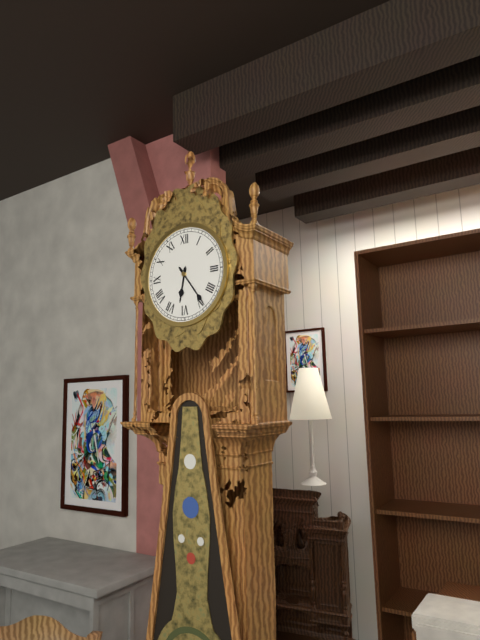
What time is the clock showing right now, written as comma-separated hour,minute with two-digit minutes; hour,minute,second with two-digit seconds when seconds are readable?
6,24
